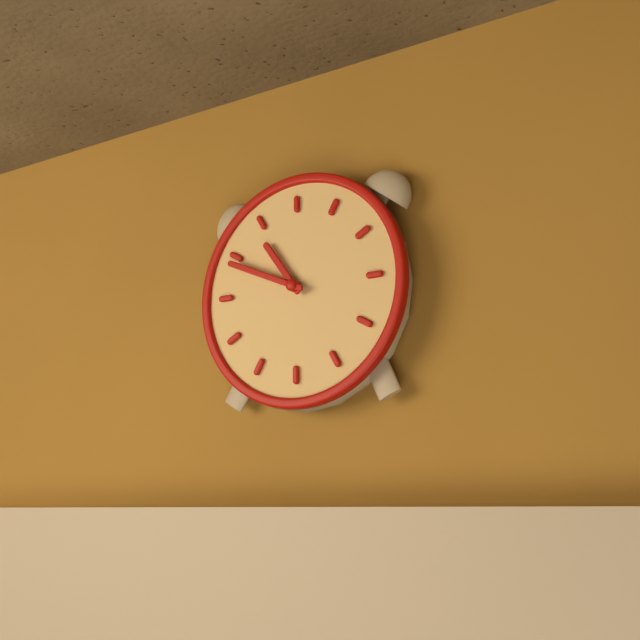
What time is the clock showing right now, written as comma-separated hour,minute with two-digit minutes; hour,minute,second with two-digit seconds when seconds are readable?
10,49
